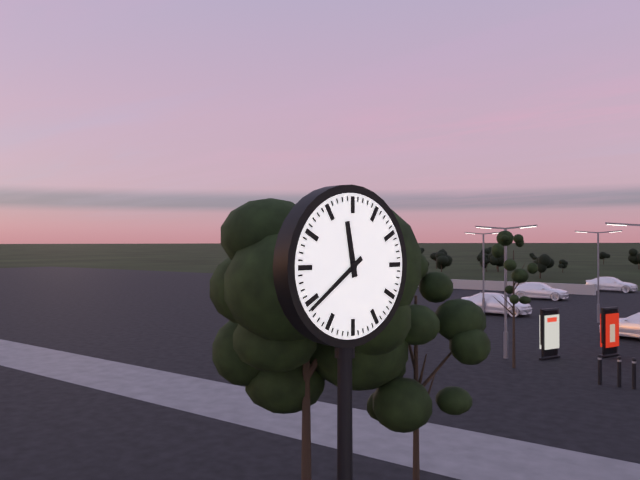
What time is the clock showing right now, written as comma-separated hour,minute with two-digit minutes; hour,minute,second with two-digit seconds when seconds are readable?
11,39
